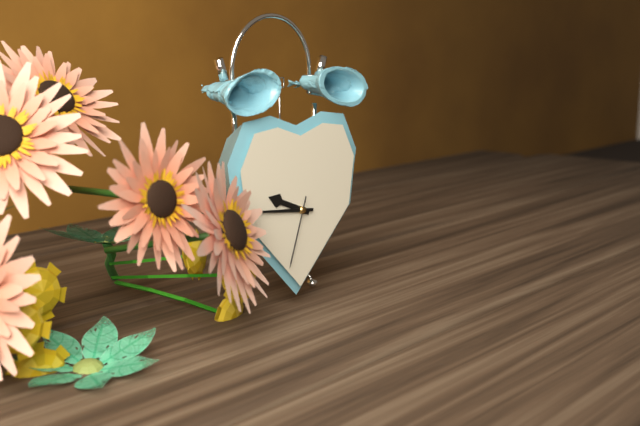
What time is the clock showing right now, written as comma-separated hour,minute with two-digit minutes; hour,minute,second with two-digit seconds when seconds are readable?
9,46,33
